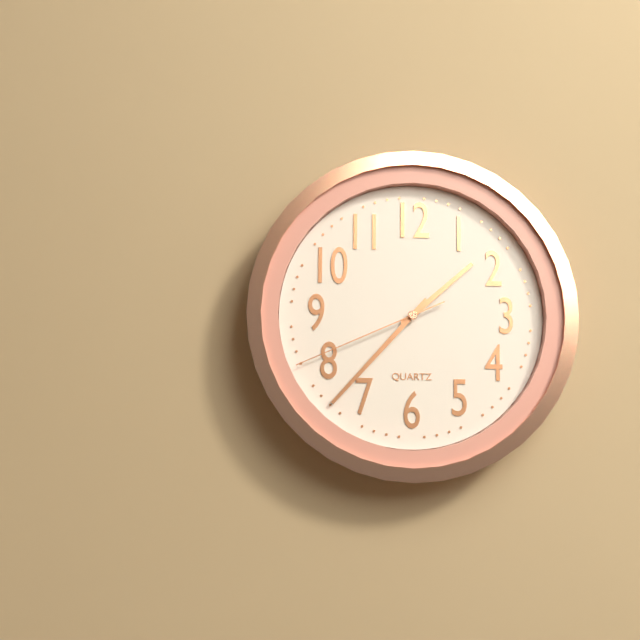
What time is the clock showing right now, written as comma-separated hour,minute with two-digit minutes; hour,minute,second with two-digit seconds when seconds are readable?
1,37,41
